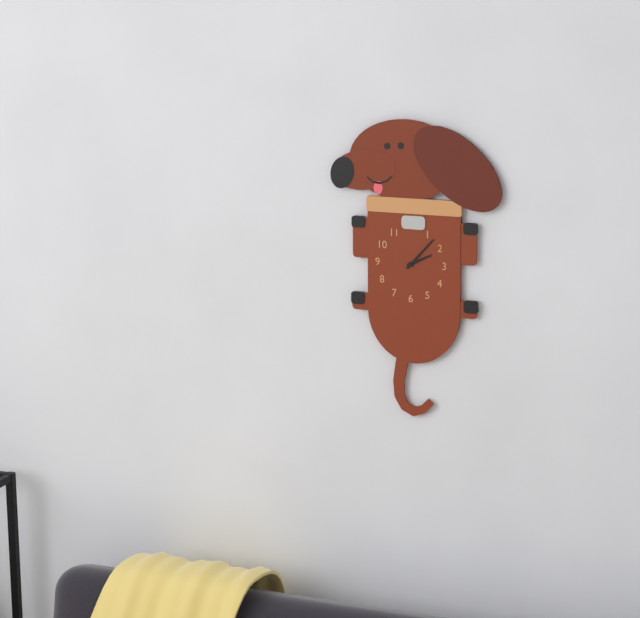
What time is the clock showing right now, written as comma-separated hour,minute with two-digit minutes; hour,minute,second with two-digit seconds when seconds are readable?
2,07
